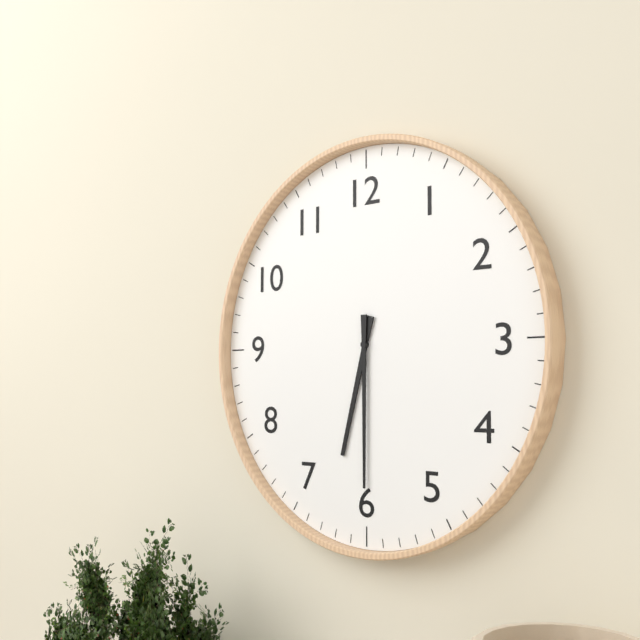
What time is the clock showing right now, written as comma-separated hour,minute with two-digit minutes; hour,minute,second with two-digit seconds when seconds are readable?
6,30
